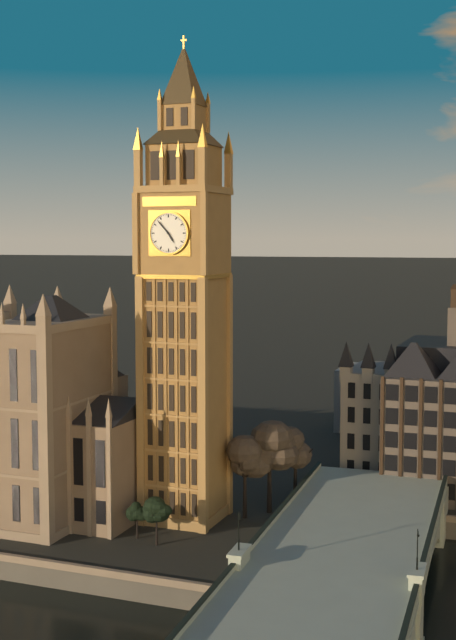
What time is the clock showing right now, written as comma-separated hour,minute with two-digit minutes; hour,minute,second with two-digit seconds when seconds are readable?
4,53
